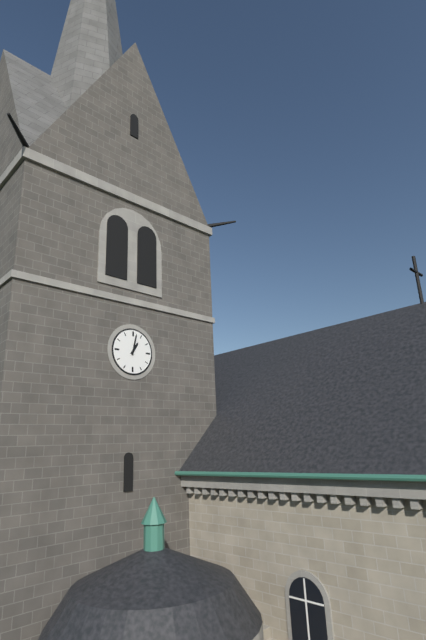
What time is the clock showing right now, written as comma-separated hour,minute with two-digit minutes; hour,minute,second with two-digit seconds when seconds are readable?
1,02
